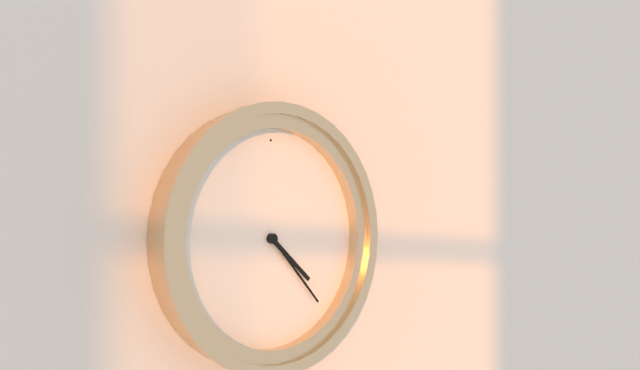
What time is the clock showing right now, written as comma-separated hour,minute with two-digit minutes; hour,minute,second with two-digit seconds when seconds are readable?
4,23
